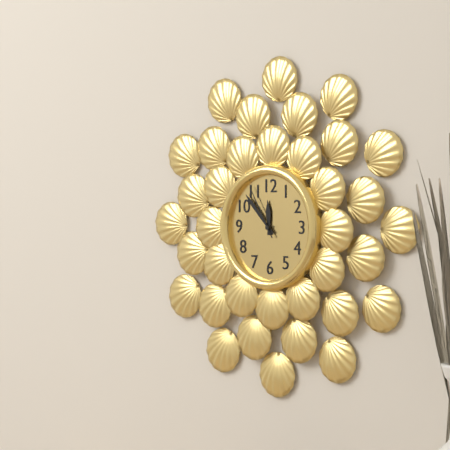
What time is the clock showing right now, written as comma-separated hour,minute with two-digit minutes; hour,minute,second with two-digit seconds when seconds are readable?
11,53,55
